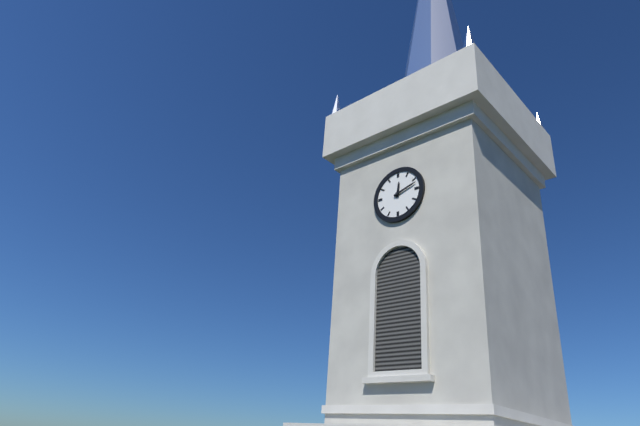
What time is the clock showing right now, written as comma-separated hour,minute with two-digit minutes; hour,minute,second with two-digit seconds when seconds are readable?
12,12
